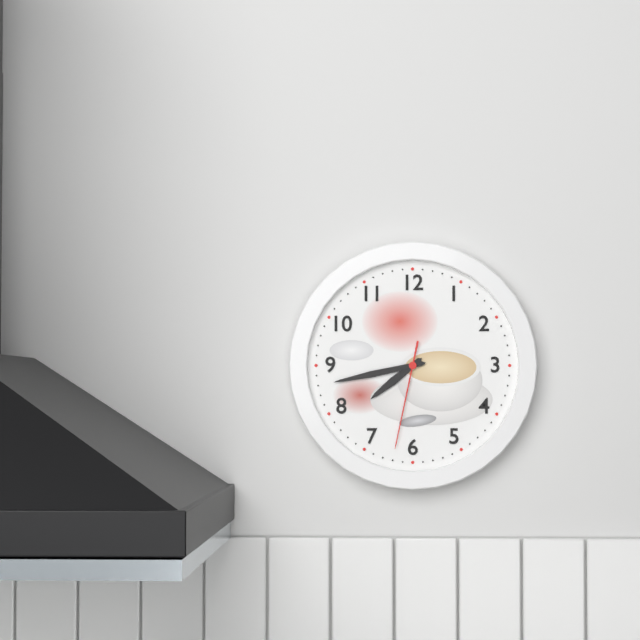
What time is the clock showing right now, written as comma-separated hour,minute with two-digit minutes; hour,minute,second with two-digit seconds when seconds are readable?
7,43,32
